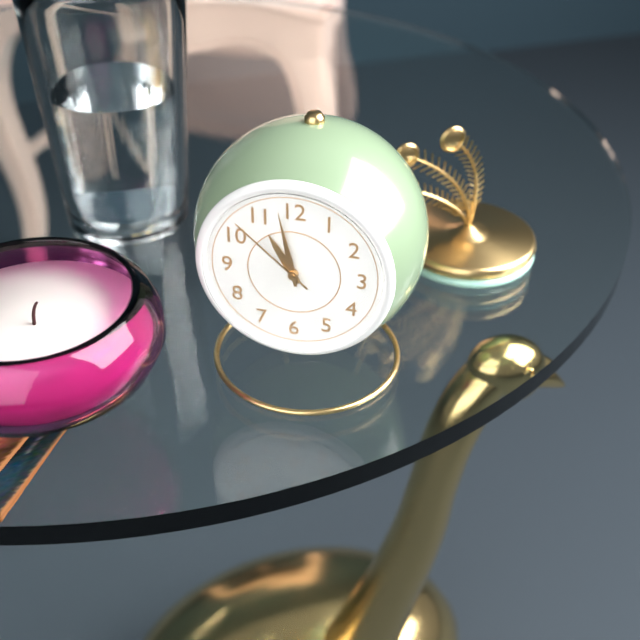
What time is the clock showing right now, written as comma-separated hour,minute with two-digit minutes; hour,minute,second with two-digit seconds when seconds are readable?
10,58,52
